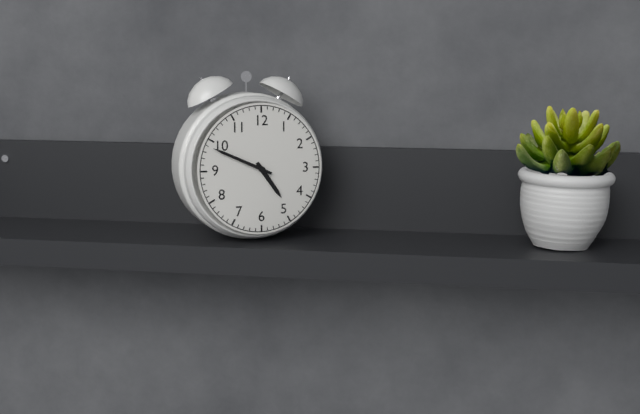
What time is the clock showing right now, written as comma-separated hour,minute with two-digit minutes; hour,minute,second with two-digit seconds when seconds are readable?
4,49
